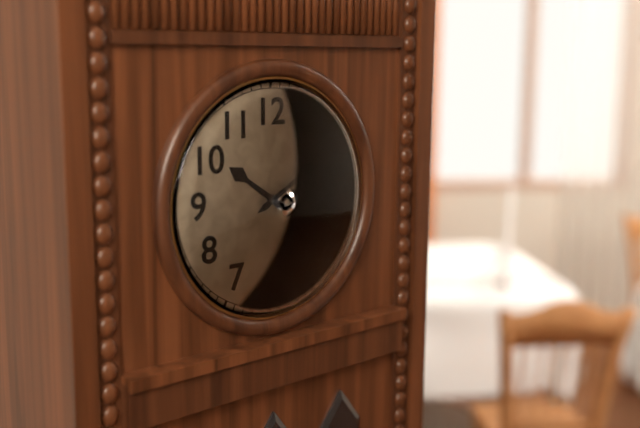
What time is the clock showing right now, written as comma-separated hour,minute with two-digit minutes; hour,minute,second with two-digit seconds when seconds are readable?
10,10
